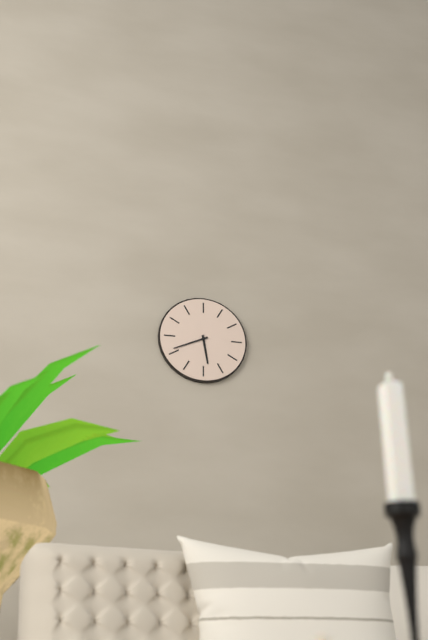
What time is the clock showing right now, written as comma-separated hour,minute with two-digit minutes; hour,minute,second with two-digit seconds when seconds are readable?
5,41
